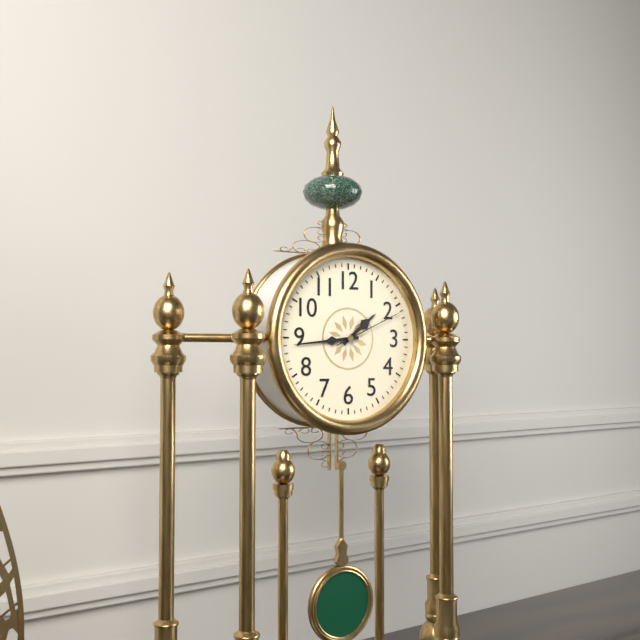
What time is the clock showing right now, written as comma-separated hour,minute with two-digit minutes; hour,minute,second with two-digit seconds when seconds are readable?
1,44,11
